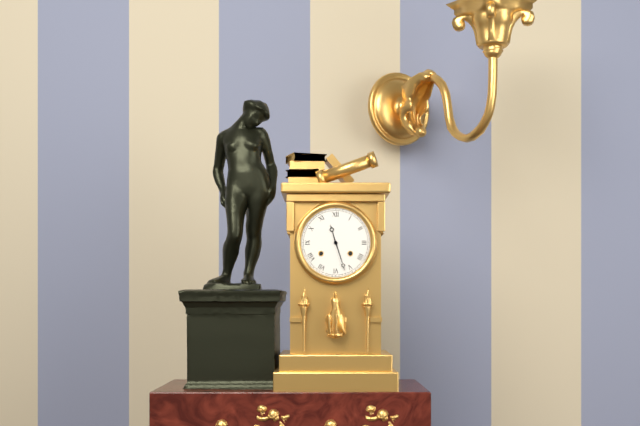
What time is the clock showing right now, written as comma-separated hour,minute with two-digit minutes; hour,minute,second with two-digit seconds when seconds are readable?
11,27
